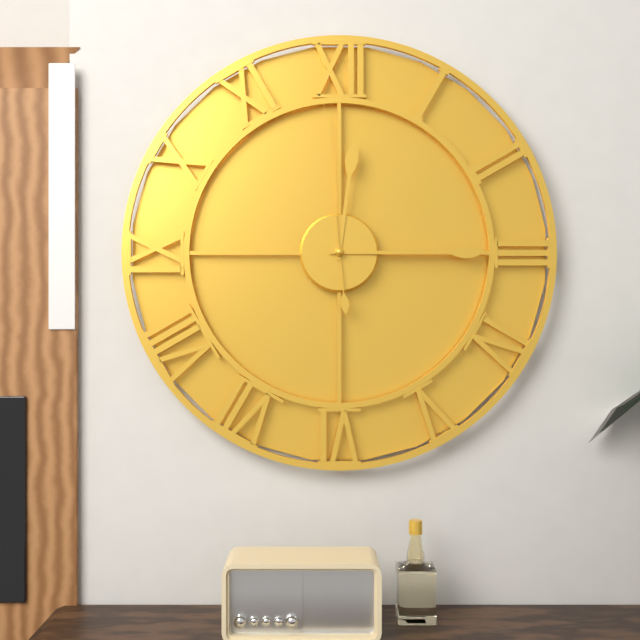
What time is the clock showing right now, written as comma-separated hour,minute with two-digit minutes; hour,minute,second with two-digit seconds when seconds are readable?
12,15,59
